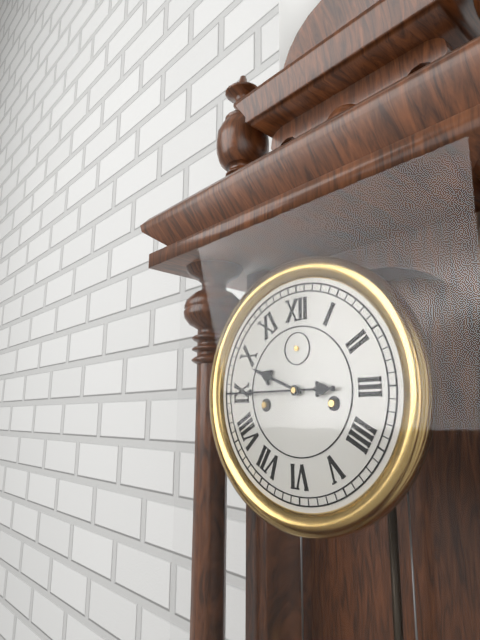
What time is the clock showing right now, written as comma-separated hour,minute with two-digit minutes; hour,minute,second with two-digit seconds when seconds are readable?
9,45
